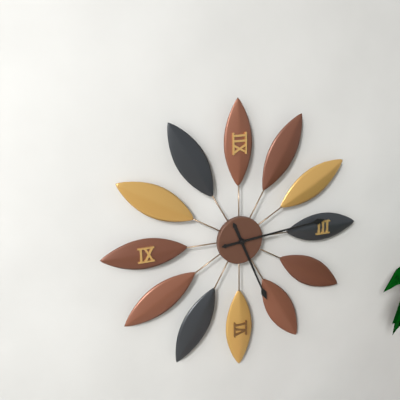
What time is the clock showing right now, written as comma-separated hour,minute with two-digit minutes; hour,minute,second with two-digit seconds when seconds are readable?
5,14
